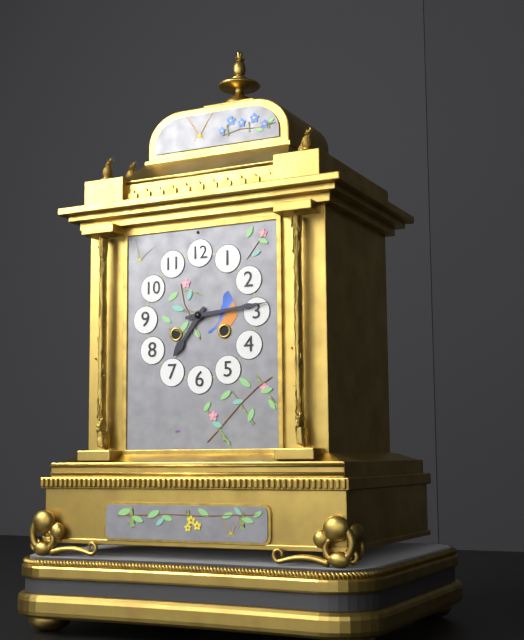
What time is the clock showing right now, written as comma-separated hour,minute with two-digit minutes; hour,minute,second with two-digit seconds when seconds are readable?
7,14
